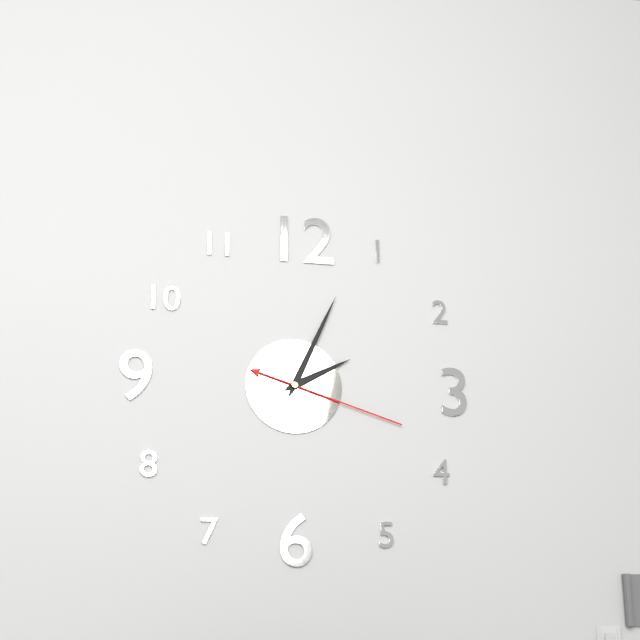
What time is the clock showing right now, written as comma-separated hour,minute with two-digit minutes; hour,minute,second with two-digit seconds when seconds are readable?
2,04,18
